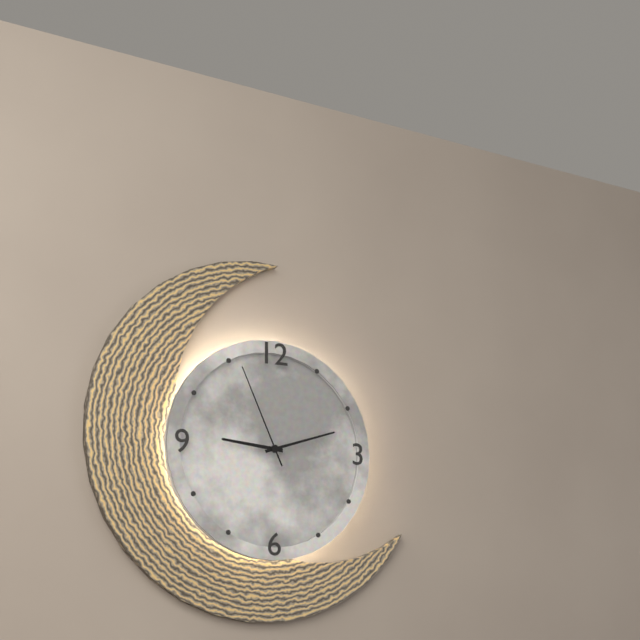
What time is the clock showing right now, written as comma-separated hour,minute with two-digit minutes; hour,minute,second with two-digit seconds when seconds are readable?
9,12,56
